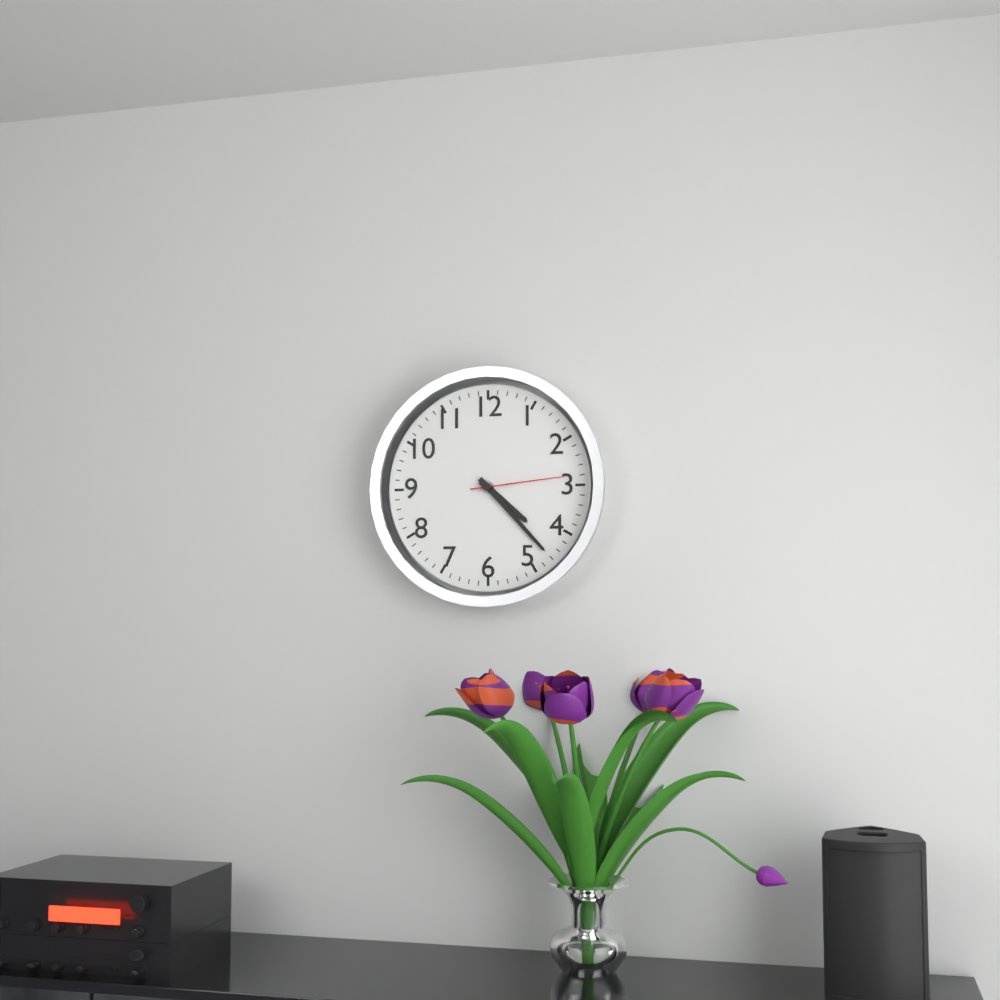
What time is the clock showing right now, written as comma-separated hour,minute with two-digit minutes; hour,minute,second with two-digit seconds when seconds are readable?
4,23,14
